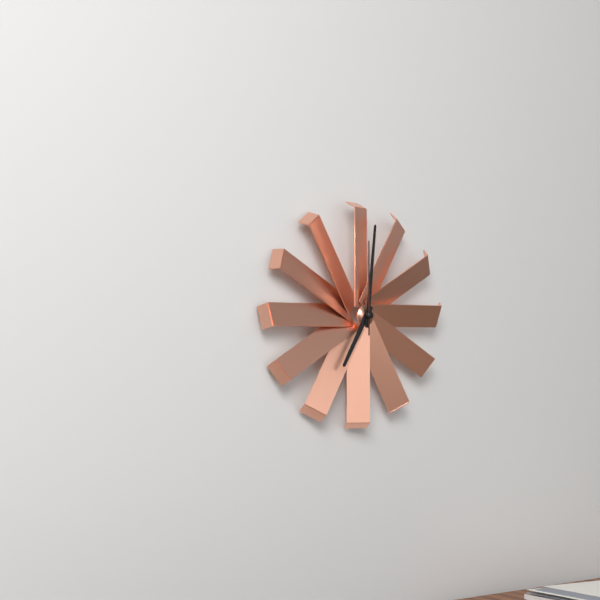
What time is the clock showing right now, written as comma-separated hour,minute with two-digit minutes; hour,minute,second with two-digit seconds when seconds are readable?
7,01,00
